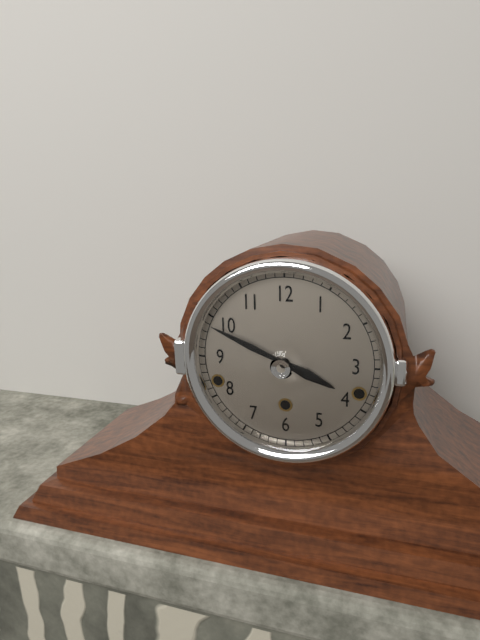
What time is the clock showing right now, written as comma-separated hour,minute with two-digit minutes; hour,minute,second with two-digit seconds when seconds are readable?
3,49
